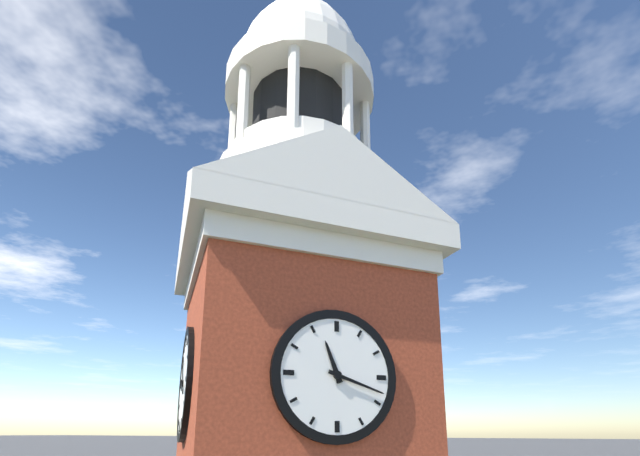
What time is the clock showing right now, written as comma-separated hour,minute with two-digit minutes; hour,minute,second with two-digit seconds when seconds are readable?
11,18
